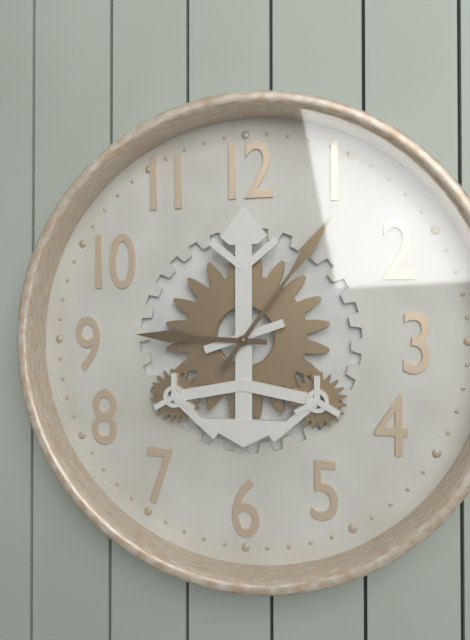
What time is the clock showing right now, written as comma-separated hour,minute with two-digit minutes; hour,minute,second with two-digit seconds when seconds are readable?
9,06
